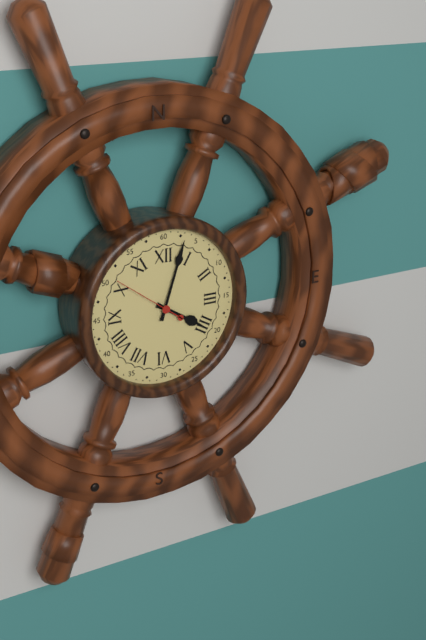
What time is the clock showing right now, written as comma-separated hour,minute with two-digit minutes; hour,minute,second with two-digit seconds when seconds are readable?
4,03,51
